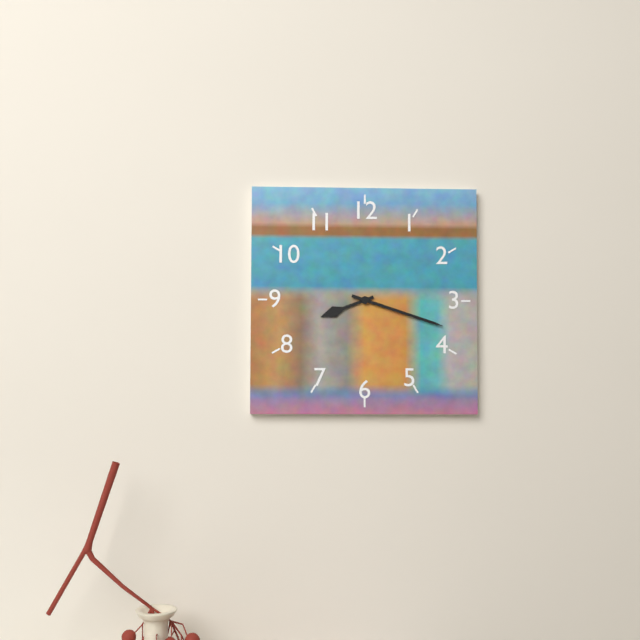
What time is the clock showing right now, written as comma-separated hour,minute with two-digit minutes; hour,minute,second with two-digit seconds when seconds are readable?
8,18
